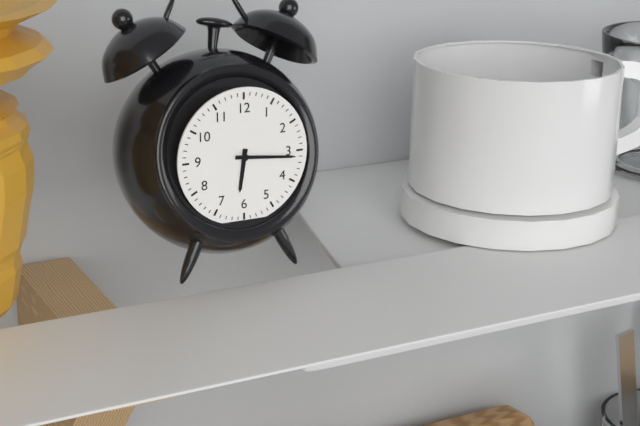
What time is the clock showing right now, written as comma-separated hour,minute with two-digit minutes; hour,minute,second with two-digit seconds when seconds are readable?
6,16
